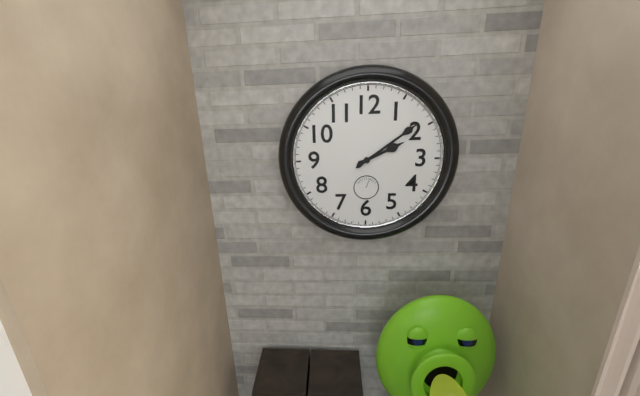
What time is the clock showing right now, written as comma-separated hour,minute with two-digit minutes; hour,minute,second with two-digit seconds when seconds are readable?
2,09
